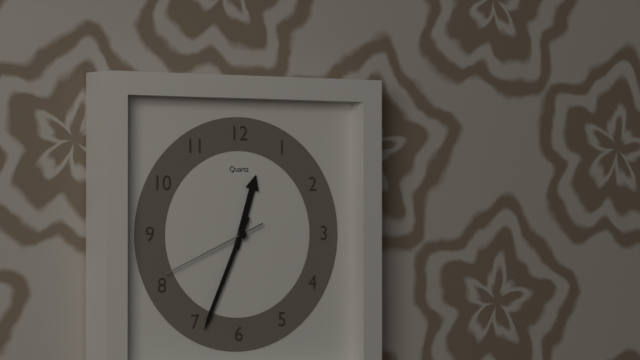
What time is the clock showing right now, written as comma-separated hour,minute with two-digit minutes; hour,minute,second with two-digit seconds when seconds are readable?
12,34,41
